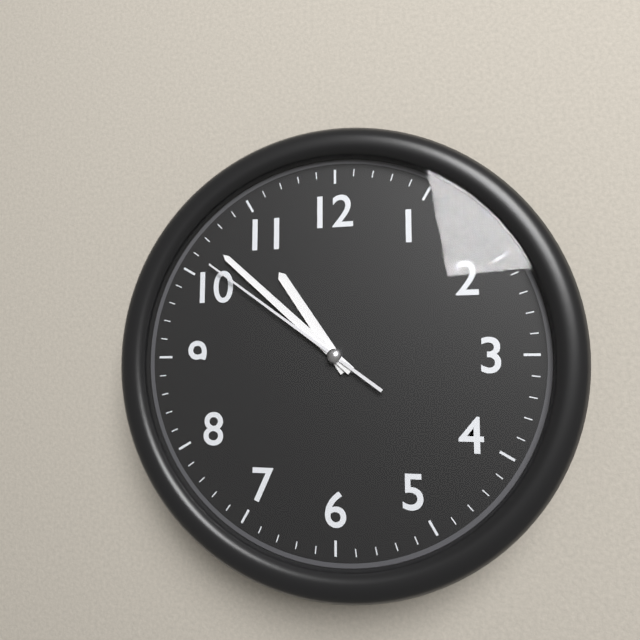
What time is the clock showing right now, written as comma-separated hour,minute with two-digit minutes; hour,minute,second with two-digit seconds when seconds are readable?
10,52,51
